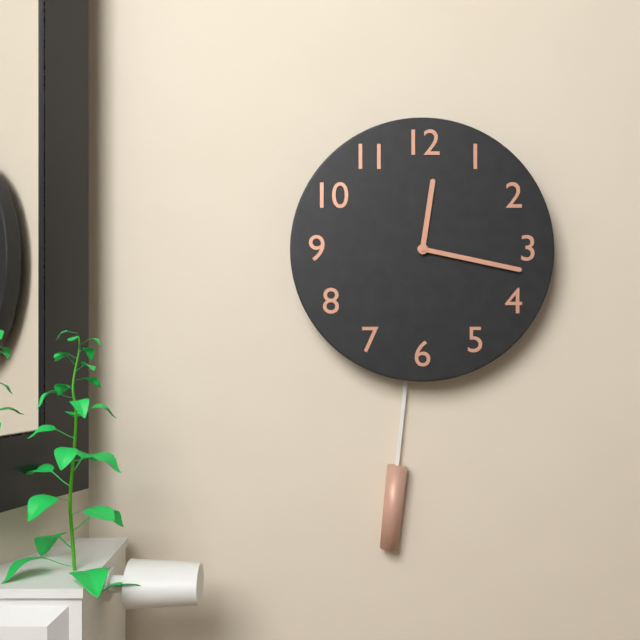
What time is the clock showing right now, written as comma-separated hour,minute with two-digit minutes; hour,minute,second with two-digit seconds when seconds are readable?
12,17
